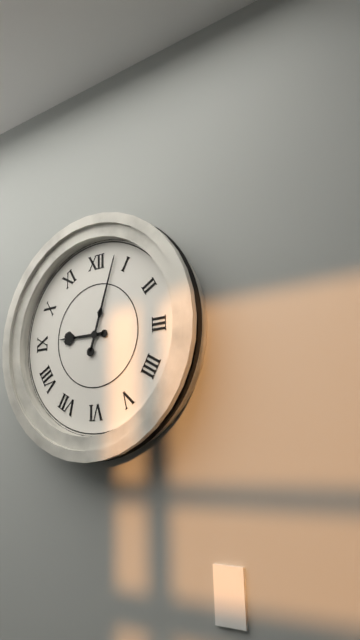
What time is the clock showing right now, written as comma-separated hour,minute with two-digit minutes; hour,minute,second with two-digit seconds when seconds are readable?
9,03
